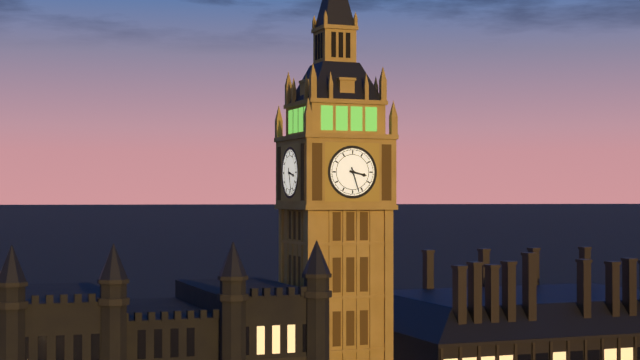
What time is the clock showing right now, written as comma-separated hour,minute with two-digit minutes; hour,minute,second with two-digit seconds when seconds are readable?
3,27
